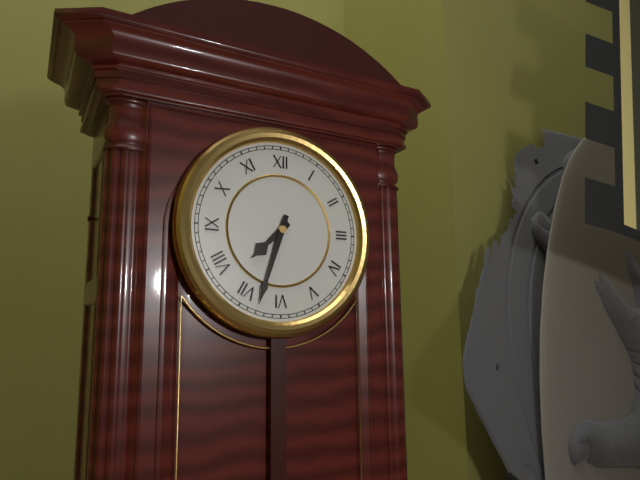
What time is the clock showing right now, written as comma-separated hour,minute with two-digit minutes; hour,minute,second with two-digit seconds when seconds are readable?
7,33
